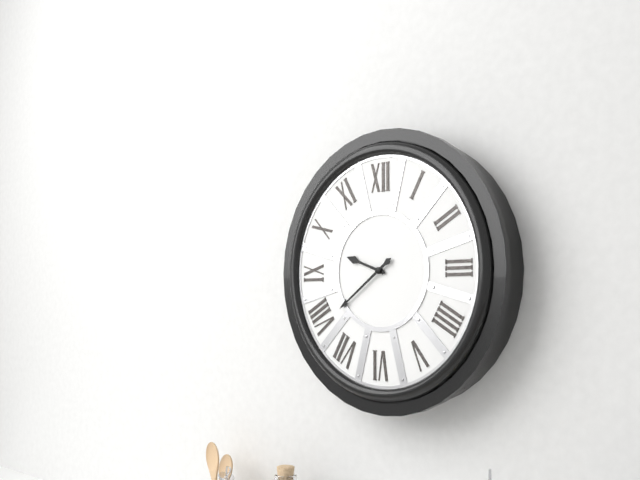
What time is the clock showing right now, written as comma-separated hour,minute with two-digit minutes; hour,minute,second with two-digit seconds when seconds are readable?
9,39
